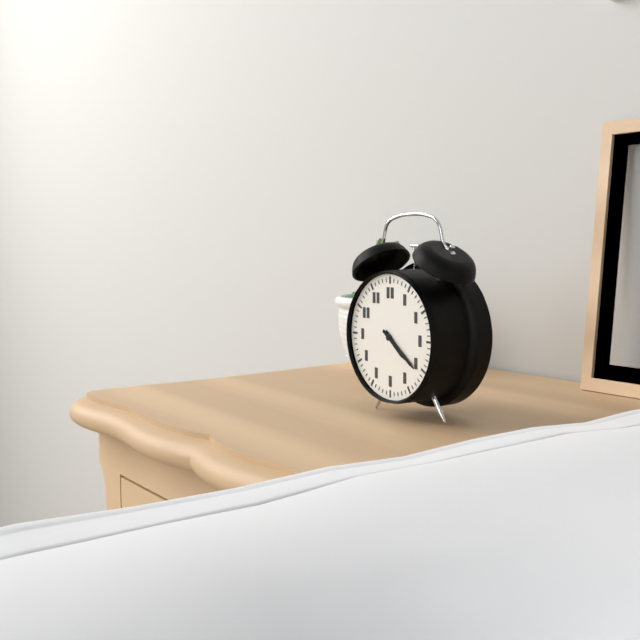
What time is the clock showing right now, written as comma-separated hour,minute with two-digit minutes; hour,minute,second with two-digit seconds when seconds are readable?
4,21
